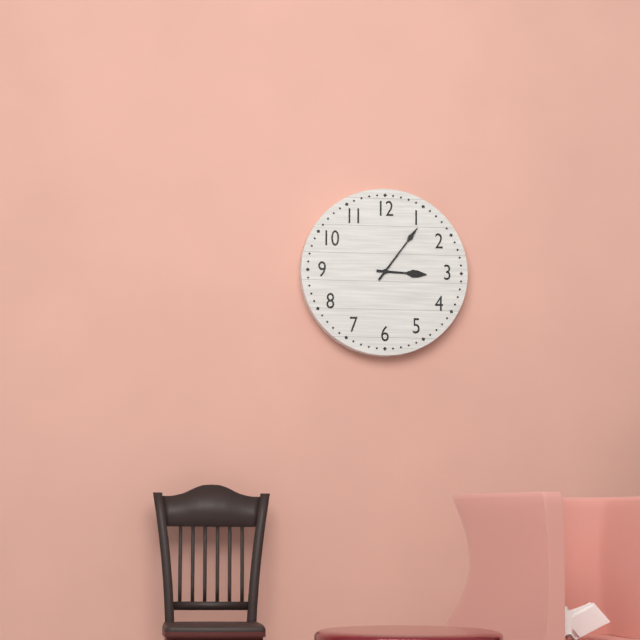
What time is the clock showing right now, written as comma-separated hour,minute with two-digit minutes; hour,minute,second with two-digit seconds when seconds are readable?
3,06
